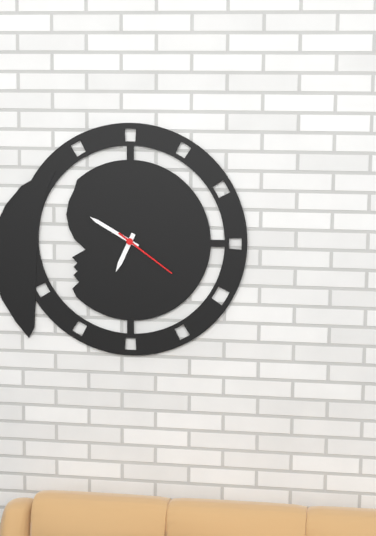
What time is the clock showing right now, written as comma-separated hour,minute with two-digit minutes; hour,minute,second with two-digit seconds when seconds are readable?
6,50,21
